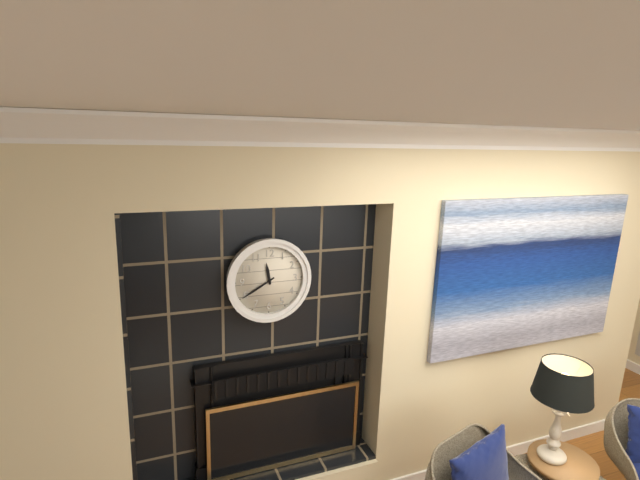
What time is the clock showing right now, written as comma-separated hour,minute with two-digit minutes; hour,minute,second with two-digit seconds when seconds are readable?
11,40
